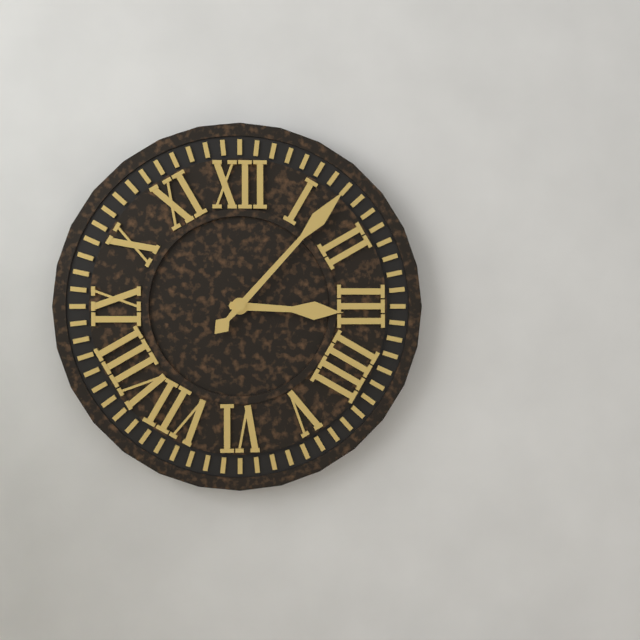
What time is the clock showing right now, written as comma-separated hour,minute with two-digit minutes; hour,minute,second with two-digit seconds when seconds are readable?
3,07
